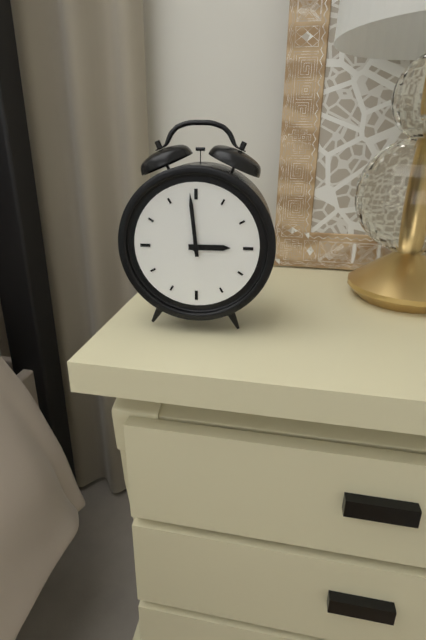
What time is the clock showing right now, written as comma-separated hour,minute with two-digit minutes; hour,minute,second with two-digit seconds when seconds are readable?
2,59
